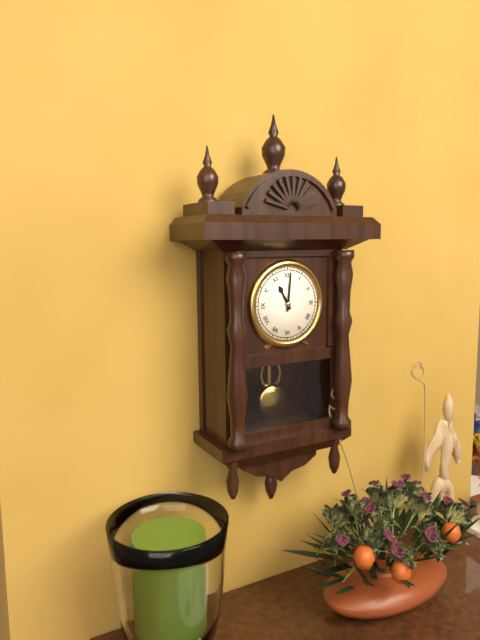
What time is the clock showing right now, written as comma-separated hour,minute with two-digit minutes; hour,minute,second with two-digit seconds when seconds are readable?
11,01
